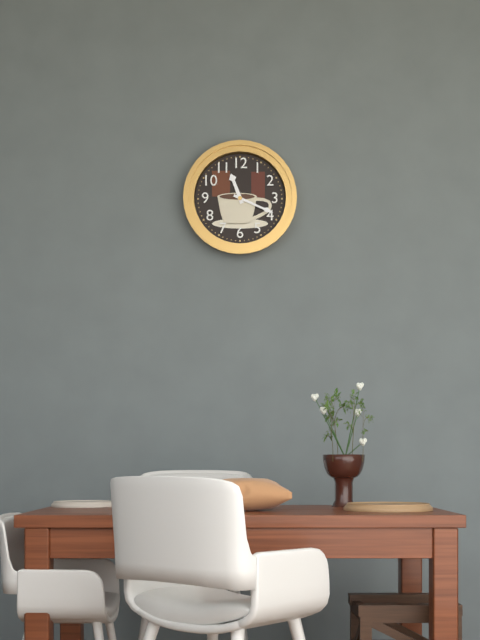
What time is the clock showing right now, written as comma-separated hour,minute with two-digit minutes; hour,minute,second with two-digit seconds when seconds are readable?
11,19
